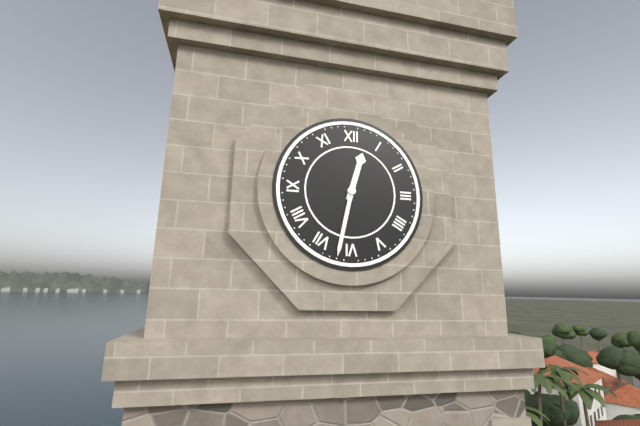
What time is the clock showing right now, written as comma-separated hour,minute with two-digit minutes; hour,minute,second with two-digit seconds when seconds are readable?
12,32
